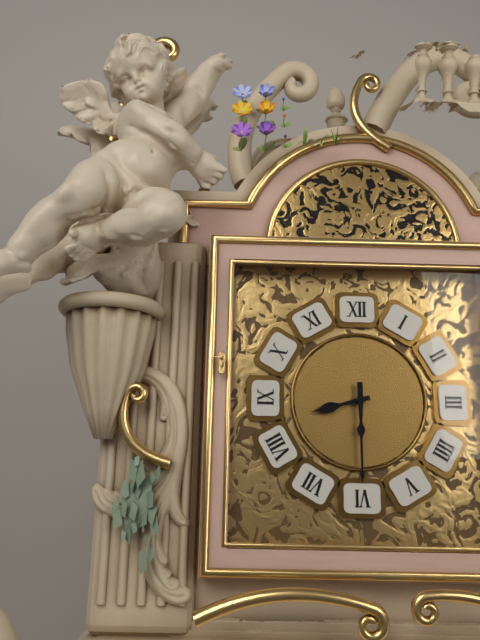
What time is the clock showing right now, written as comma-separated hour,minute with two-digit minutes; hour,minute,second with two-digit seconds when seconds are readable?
8,30
